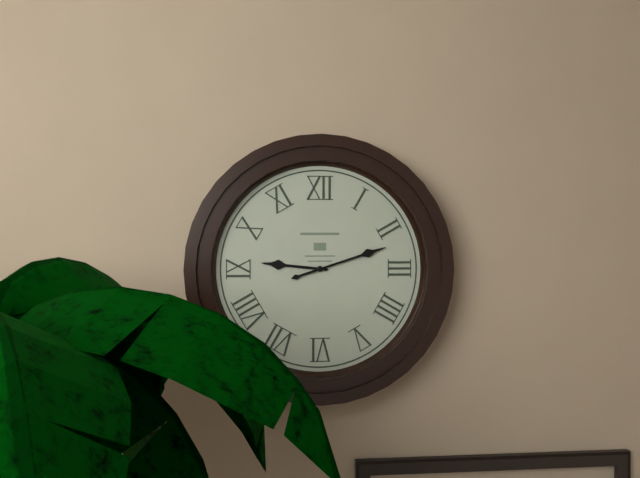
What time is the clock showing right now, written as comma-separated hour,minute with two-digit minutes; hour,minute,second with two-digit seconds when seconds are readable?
9,12
